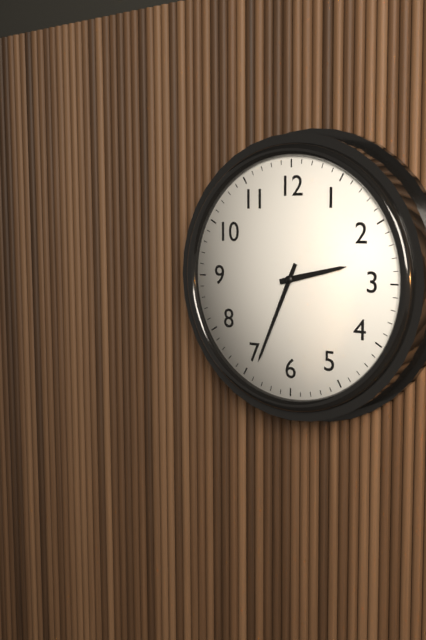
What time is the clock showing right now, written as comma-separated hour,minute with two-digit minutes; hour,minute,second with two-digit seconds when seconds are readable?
2,34
